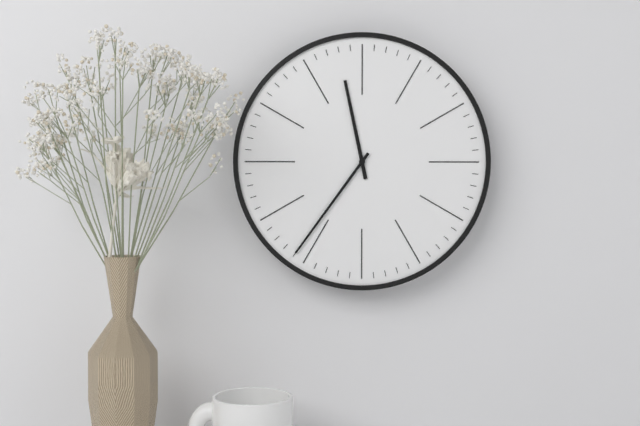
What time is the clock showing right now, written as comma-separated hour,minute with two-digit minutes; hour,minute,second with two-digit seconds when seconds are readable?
11,36
